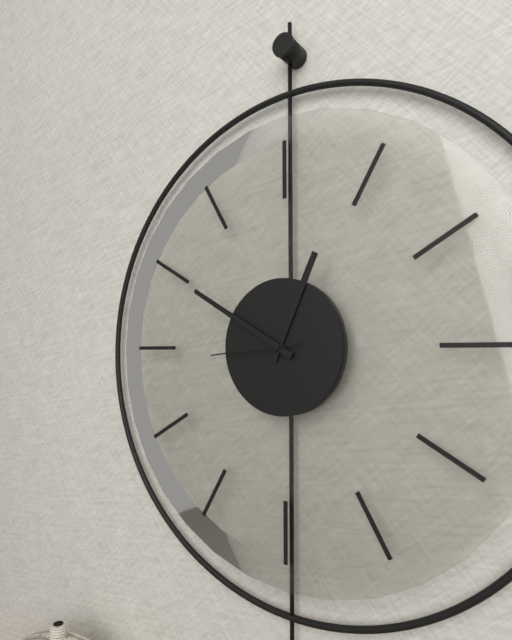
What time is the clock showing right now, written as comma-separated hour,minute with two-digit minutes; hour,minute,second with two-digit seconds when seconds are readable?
12,50,44
